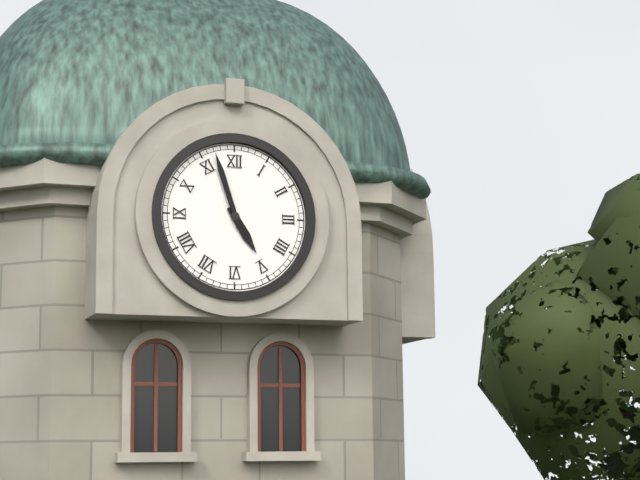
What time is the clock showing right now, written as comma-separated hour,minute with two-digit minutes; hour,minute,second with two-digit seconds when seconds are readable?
4,57
